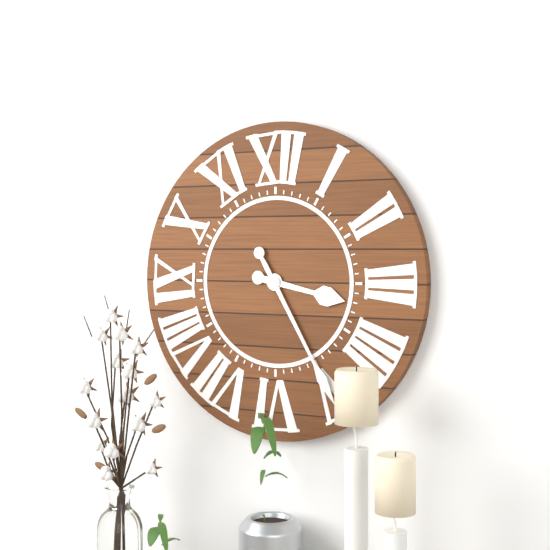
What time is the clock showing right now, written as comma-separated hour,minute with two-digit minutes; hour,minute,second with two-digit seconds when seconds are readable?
3,25
